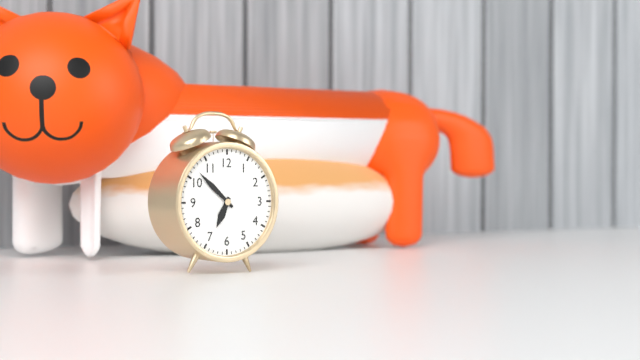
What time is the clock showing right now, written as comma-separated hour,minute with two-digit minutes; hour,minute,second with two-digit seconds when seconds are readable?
6,52
